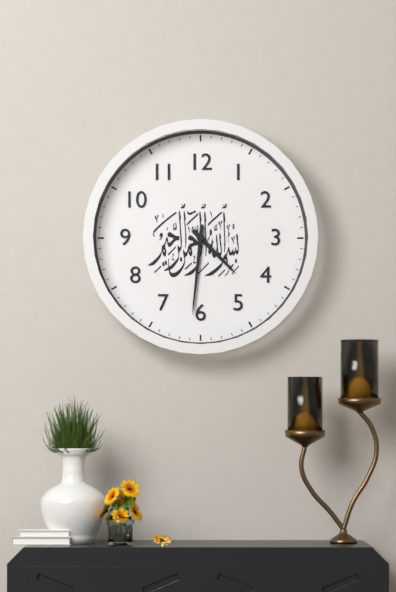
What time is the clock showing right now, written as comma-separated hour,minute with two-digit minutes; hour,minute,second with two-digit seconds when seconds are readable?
4,31
